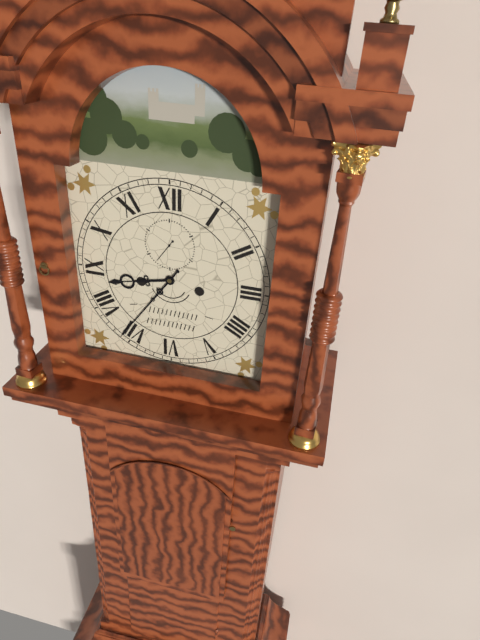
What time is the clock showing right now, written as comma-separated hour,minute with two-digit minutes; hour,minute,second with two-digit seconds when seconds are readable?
8,36
